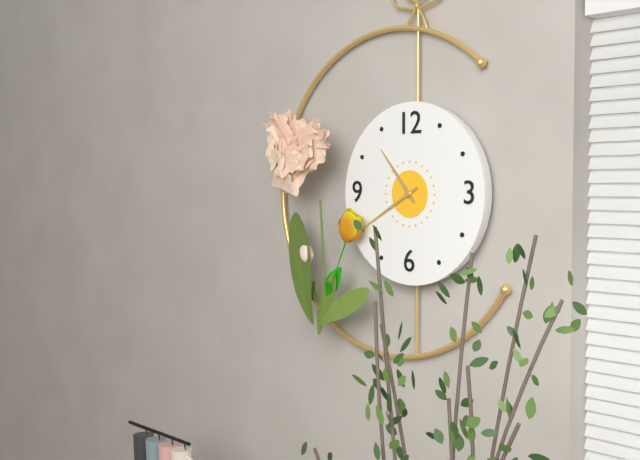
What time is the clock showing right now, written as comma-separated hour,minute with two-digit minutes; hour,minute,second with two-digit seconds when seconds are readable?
10,40
